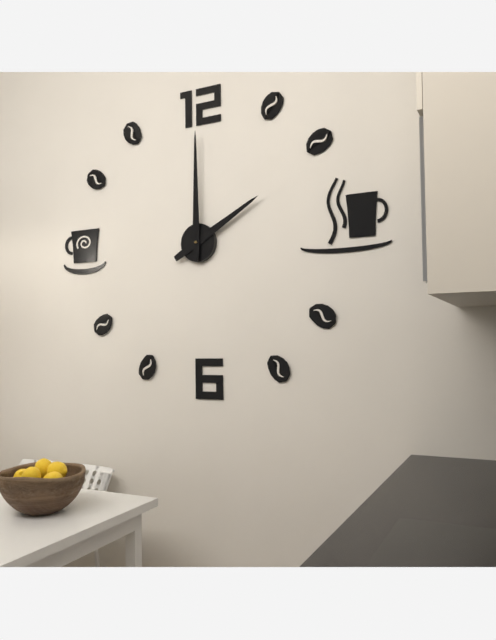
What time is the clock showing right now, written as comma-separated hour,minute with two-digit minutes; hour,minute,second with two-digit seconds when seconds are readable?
2,00
